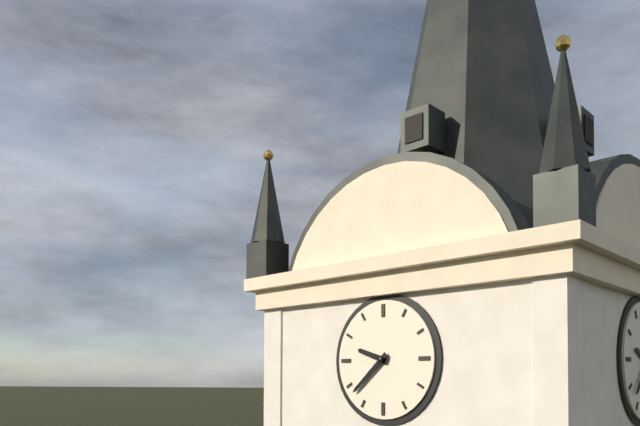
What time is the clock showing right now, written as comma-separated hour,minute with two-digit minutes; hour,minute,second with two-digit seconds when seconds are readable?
9,38
